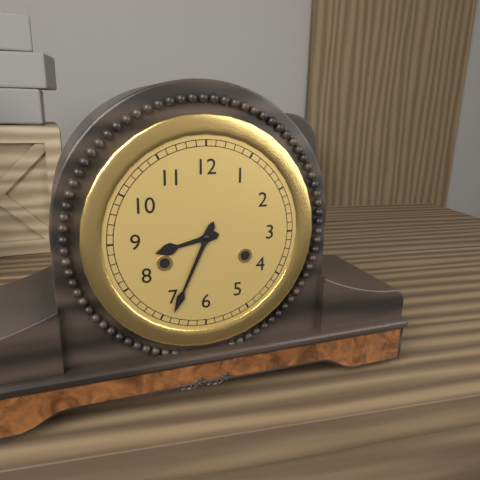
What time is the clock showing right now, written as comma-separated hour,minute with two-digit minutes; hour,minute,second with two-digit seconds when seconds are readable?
8,34
